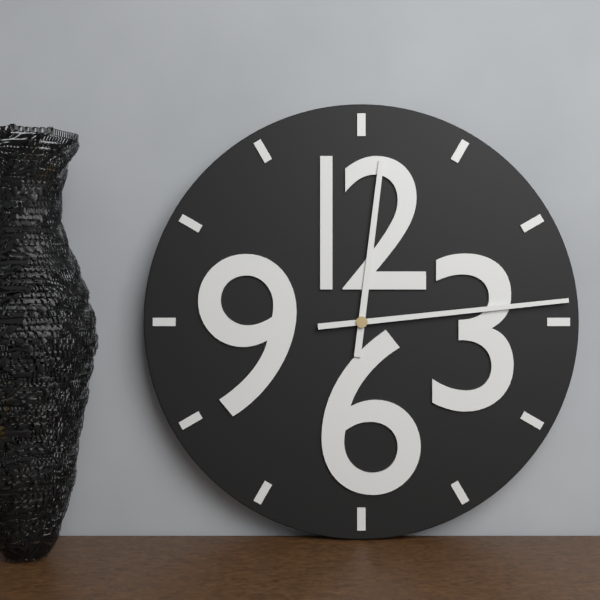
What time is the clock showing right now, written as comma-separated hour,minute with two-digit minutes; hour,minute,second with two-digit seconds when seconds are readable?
12,14
